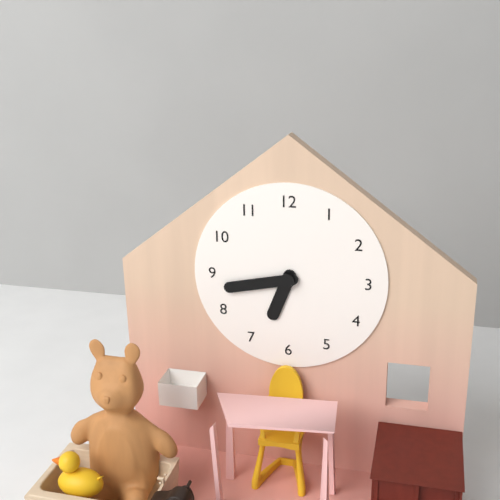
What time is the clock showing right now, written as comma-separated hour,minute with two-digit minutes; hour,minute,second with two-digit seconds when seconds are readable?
6,43
